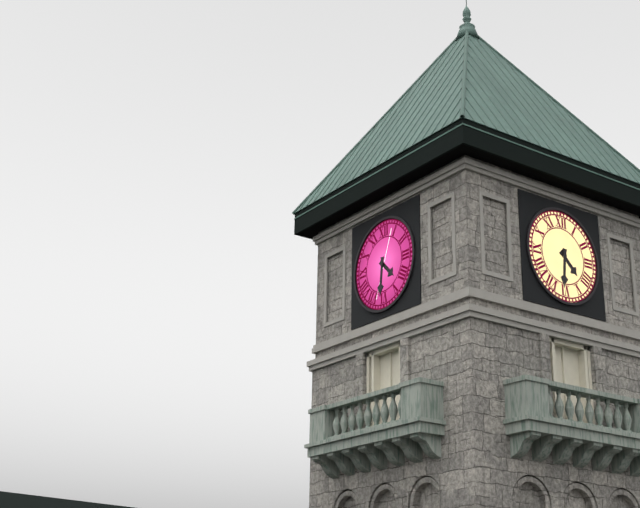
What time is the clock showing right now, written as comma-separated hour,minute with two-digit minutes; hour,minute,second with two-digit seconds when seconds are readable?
4,31
